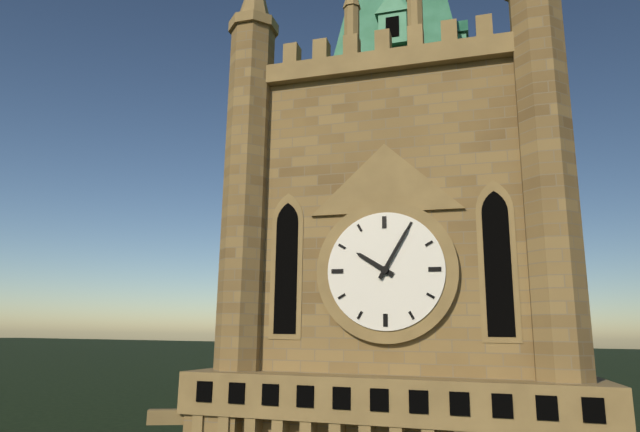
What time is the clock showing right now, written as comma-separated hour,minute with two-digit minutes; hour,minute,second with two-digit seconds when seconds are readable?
10,05
